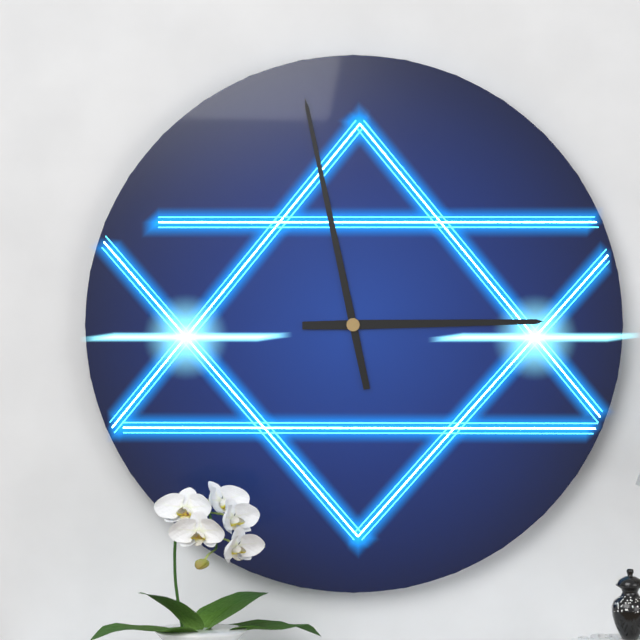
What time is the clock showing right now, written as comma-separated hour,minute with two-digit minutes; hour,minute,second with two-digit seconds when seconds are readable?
2,58
